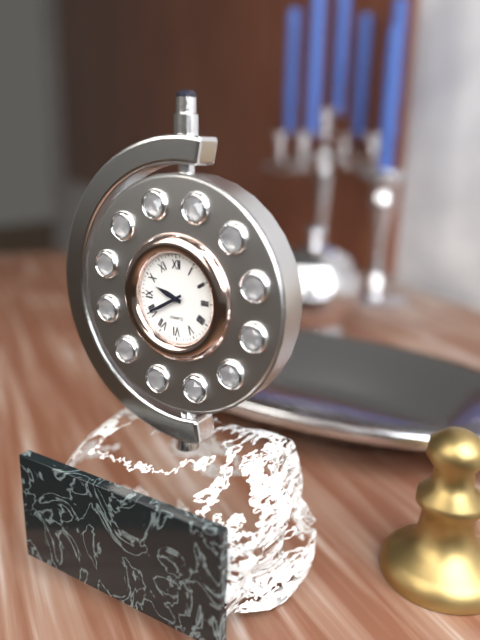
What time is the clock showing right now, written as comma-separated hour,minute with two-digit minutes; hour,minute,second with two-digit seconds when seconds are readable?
9,40
